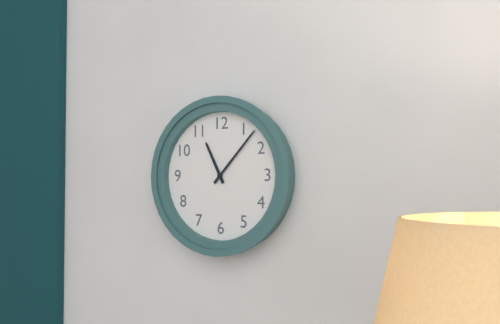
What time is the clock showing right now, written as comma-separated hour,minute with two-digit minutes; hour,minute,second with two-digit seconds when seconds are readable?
11,07
